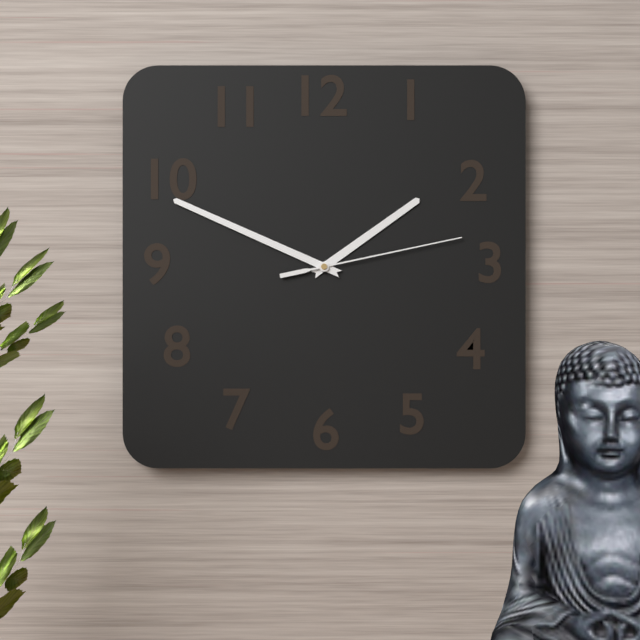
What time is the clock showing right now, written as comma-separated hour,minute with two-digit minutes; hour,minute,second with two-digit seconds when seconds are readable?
1,49,13
